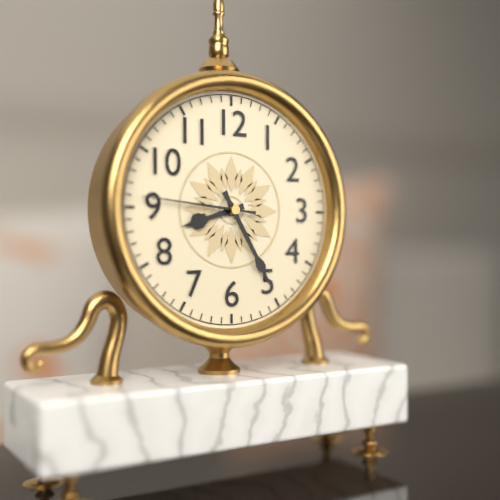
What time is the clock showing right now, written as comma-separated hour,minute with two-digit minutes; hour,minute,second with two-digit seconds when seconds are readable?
8,25,46
